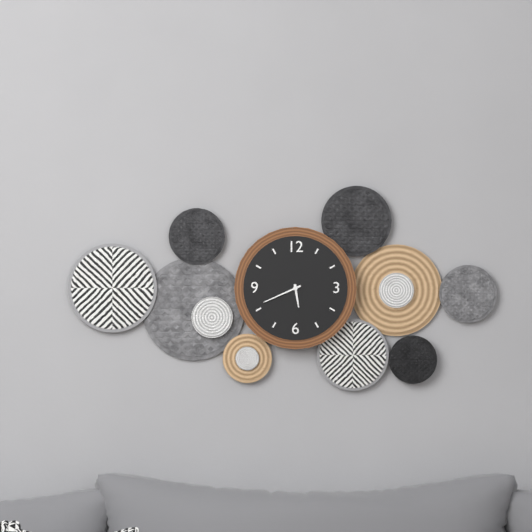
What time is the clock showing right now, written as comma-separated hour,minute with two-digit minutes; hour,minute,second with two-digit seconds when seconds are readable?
5,41
